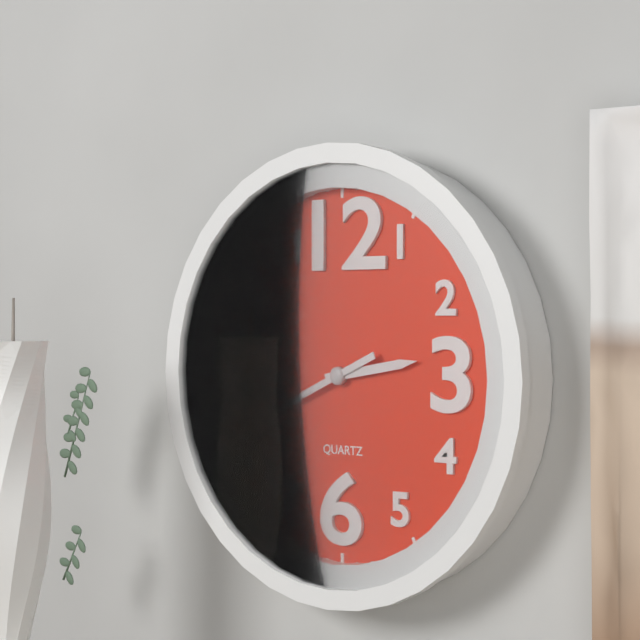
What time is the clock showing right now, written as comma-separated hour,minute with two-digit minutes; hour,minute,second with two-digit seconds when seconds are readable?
2,41
